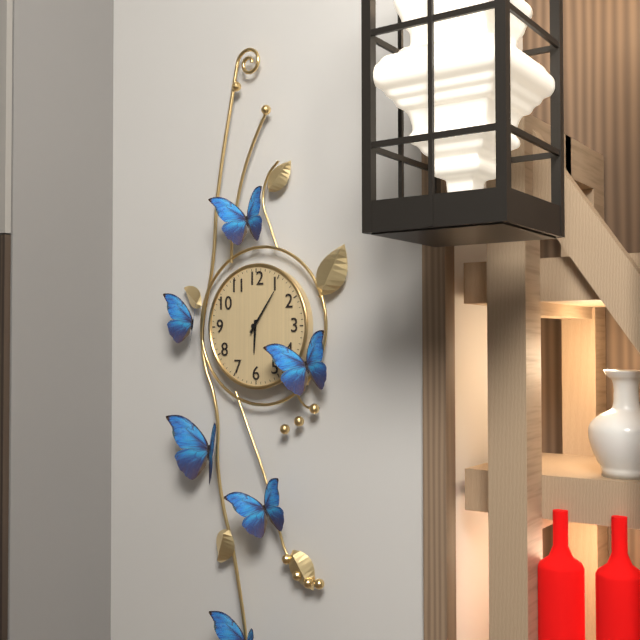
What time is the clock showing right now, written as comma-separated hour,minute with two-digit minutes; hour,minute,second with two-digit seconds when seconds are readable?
6,06
